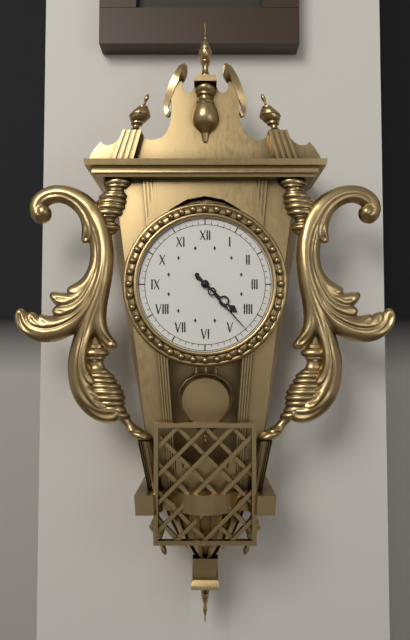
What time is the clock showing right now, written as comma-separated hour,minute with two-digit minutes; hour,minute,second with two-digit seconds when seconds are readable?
4,23
